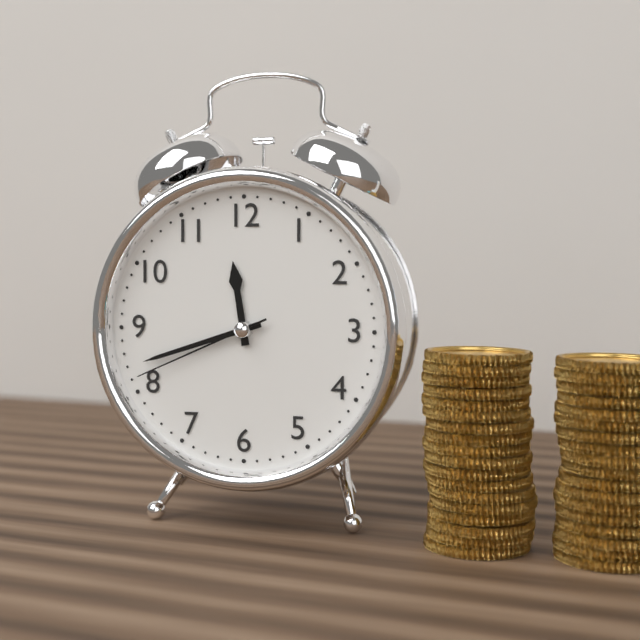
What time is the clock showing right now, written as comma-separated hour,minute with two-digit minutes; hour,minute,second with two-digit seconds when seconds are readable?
11,42,41
